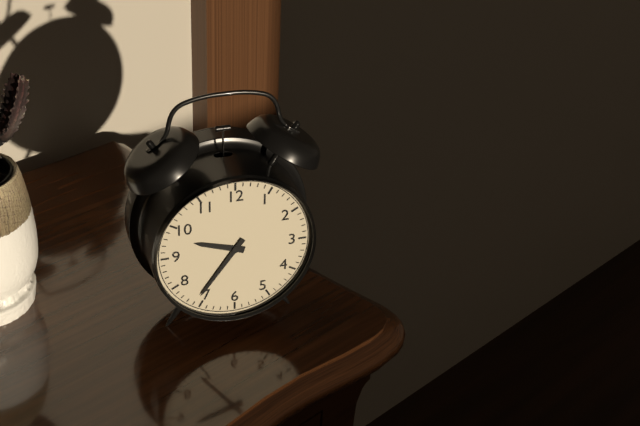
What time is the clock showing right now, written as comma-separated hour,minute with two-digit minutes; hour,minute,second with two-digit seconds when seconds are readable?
9,36
